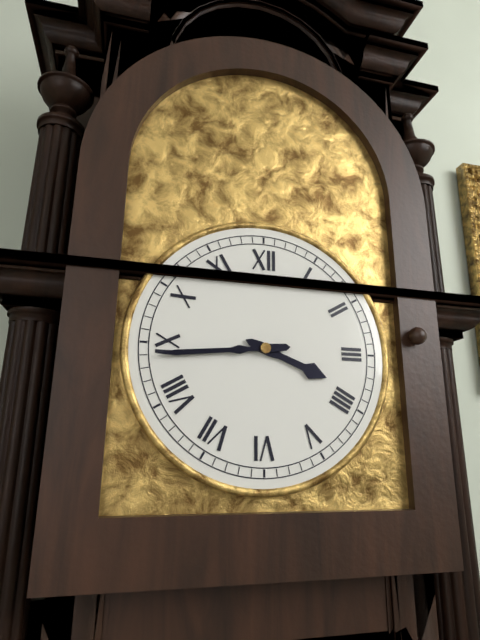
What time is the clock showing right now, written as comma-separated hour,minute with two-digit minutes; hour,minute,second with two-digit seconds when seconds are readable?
3,44
